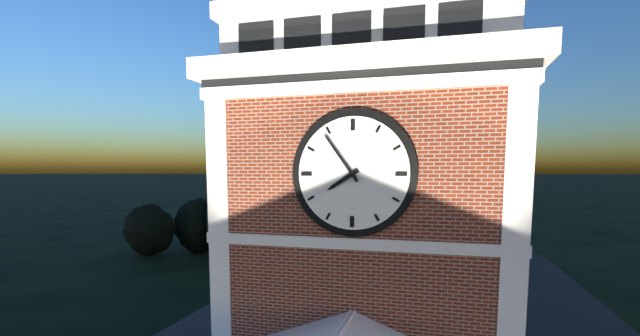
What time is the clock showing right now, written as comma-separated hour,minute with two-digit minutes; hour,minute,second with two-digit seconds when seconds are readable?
7,54
